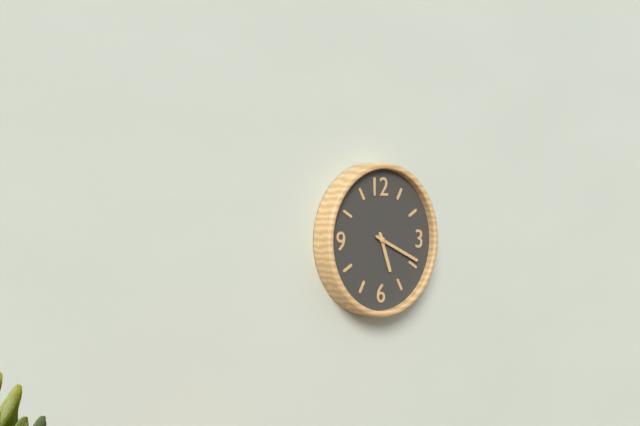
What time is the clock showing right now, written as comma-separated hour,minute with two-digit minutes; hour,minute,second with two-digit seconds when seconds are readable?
5,19
